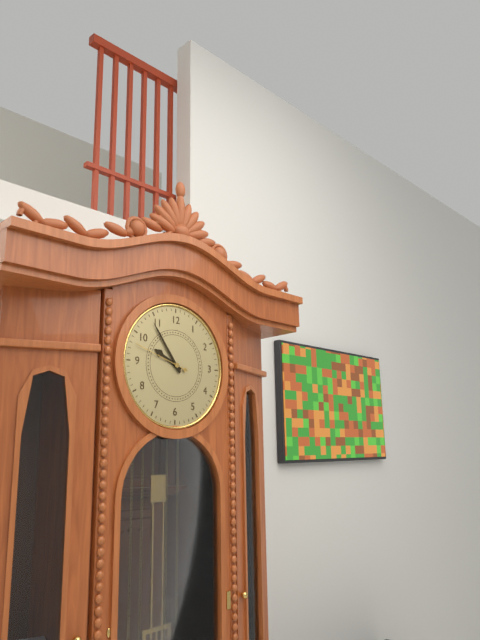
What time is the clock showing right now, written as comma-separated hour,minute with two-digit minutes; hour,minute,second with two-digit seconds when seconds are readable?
9,54,48
